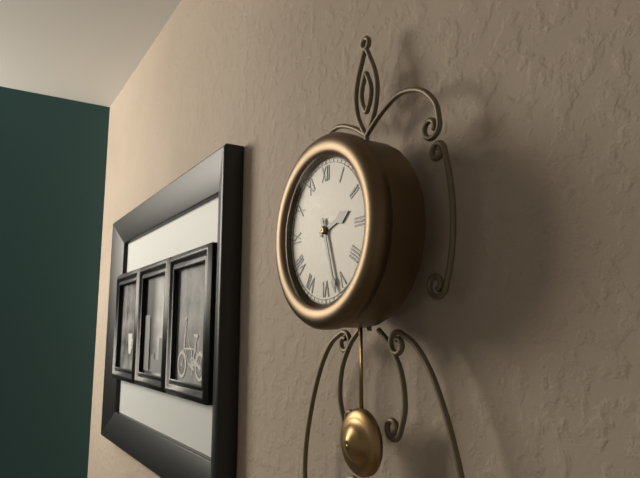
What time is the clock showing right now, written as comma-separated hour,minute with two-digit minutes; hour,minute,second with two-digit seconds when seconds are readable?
2,27
